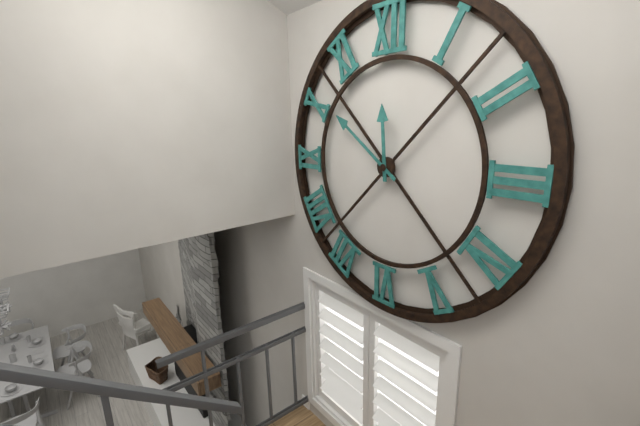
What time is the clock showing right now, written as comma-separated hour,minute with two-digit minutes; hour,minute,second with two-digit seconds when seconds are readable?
11,51
